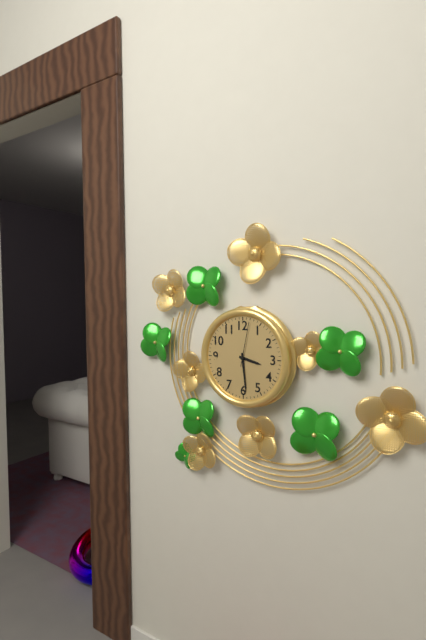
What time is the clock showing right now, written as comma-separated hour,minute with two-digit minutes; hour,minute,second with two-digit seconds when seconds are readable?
3,29
